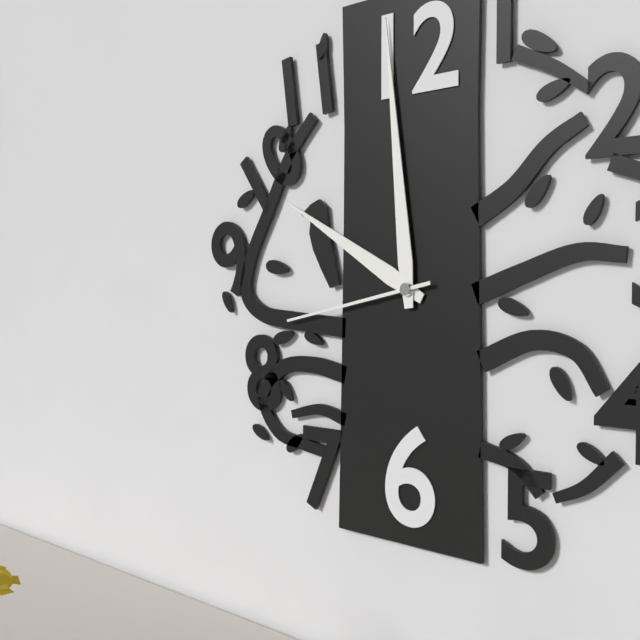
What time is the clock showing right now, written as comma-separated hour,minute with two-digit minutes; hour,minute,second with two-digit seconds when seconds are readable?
9,59,43
